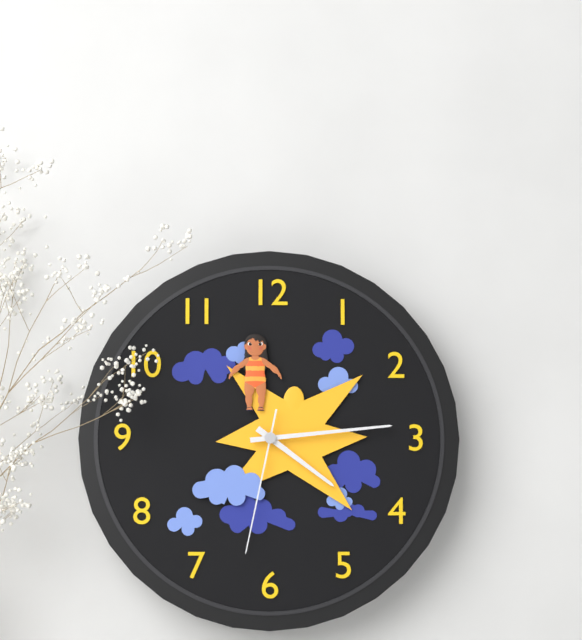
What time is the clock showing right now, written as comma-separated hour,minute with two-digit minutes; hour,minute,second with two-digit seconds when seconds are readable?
4,14,32
